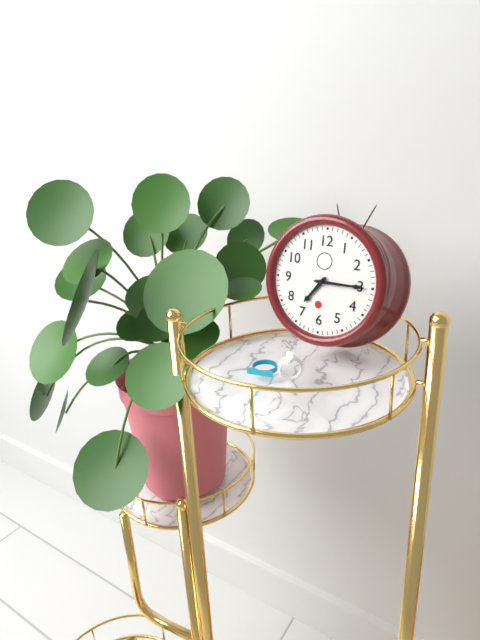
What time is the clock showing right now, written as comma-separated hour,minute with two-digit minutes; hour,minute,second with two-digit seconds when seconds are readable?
7,15
